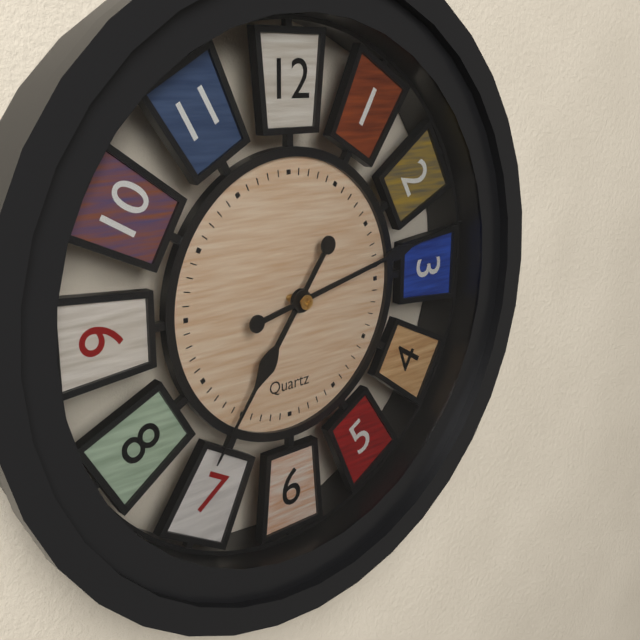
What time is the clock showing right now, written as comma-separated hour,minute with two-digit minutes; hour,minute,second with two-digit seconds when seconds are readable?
7,13
